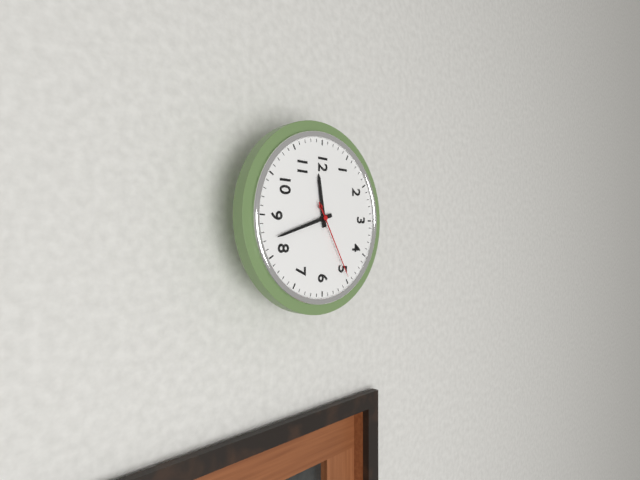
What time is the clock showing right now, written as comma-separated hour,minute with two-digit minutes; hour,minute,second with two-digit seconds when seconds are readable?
11,42,25
